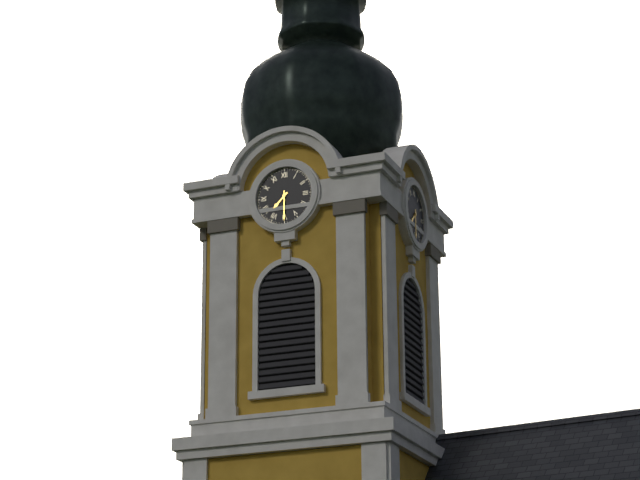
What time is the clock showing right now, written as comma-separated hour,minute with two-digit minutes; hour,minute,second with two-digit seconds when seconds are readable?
7,30
